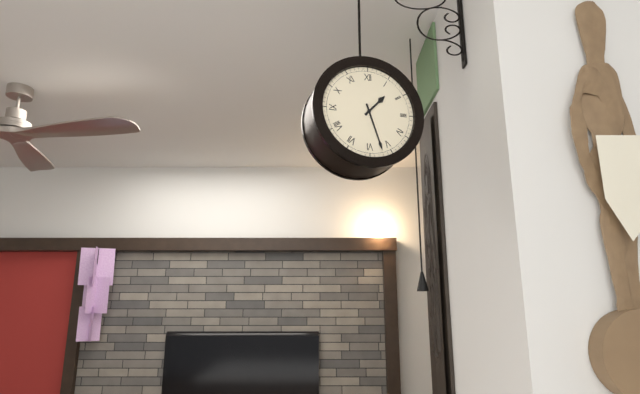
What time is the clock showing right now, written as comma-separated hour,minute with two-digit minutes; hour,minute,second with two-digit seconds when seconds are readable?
1,27
